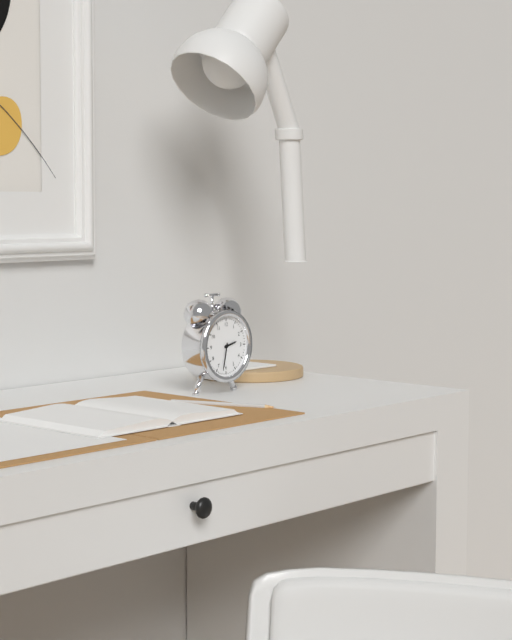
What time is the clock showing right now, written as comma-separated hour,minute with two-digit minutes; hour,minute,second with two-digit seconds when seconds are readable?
2,32
